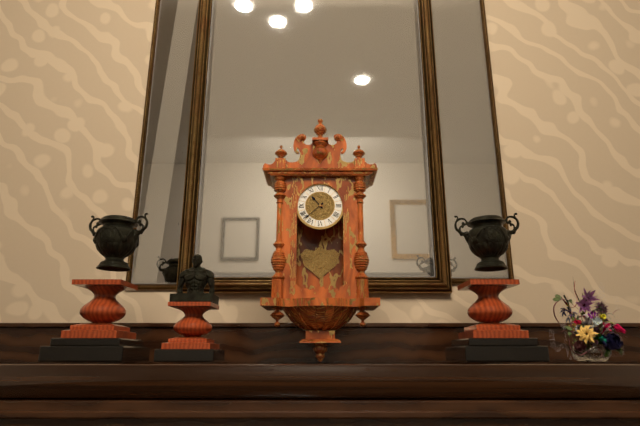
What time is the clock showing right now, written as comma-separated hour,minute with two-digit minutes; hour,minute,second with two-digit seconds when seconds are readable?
10,38
